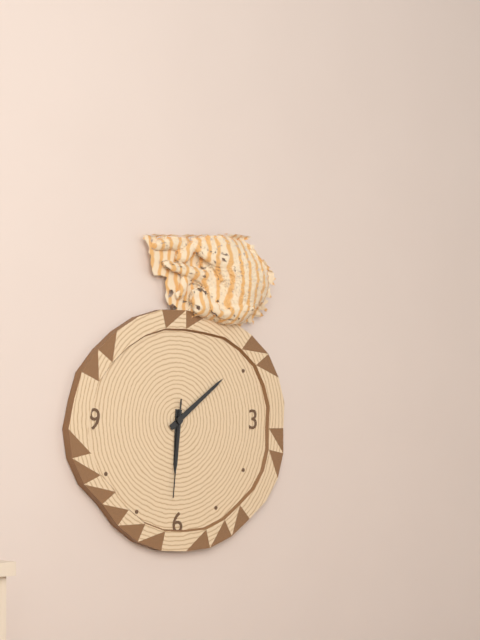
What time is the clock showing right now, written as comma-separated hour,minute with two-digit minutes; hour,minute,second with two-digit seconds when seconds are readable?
6,09,31
